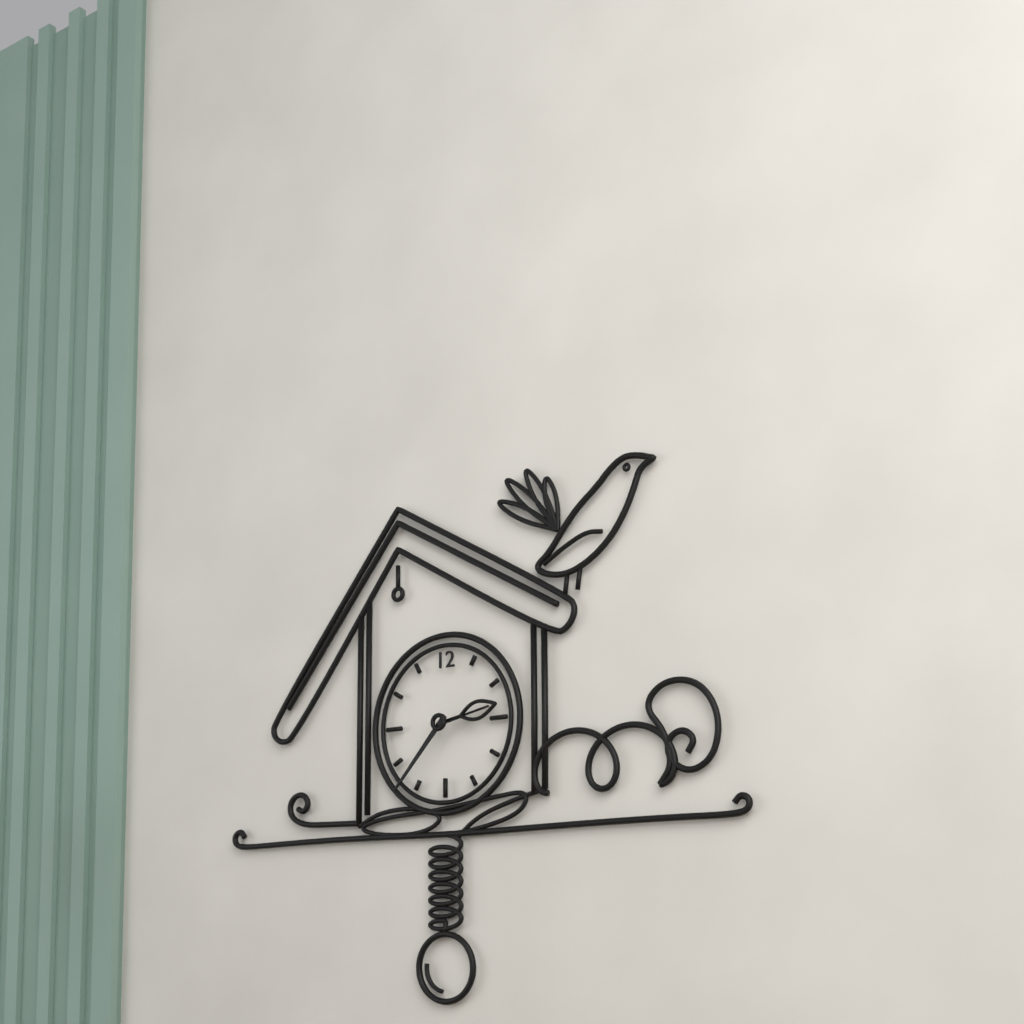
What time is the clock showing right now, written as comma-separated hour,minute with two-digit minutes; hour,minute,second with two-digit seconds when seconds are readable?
2,37
